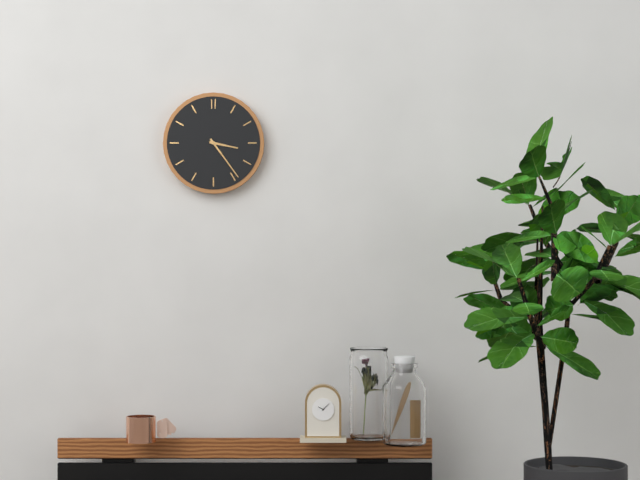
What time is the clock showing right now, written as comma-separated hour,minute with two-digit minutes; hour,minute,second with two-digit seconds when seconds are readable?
3,24
